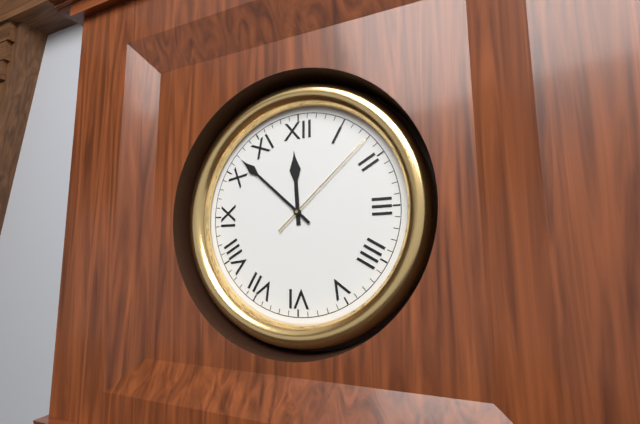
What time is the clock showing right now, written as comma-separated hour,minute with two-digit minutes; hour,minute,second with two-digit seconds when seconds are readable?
11,52,08
